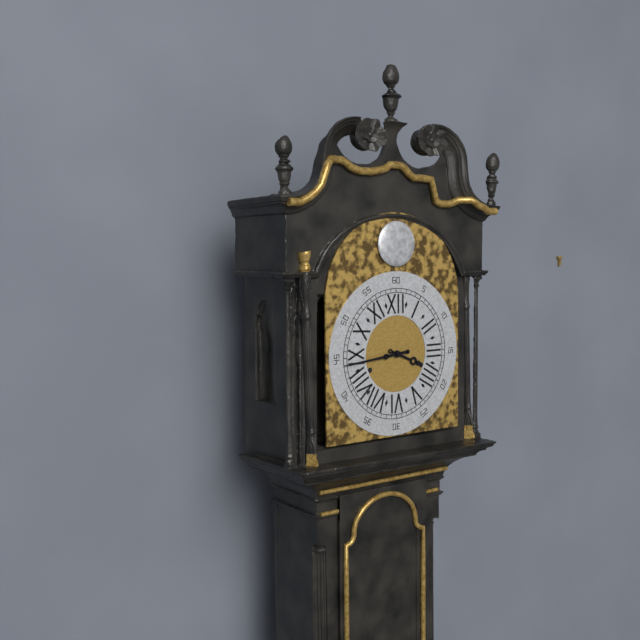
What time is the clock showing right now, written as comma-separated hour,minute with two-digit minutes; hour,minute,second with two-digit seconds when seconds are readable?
3,44
